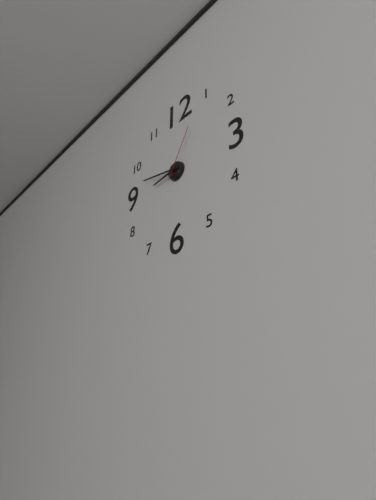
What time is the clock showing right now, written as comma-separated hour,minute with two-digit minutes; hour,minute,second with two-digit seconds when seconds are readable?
8,47,05
